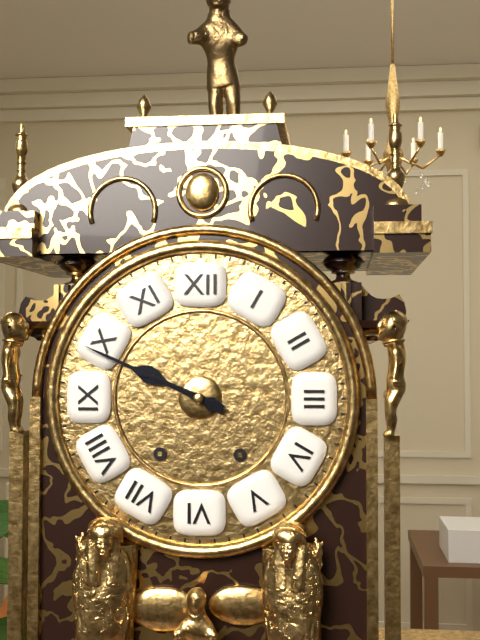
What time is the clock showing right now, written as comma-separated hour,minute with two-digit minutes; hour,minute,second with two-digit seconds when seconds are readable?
9,49
